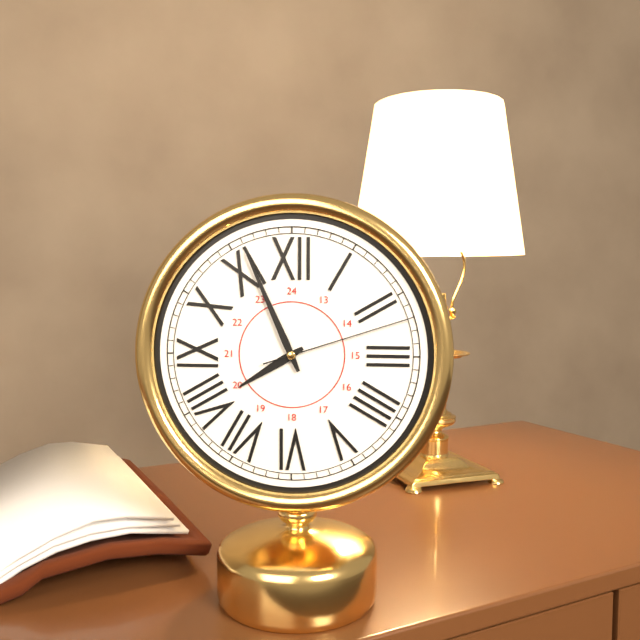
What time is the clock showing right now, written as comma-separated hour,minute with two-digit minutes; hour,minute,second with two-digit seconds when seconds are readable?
7,56,12
